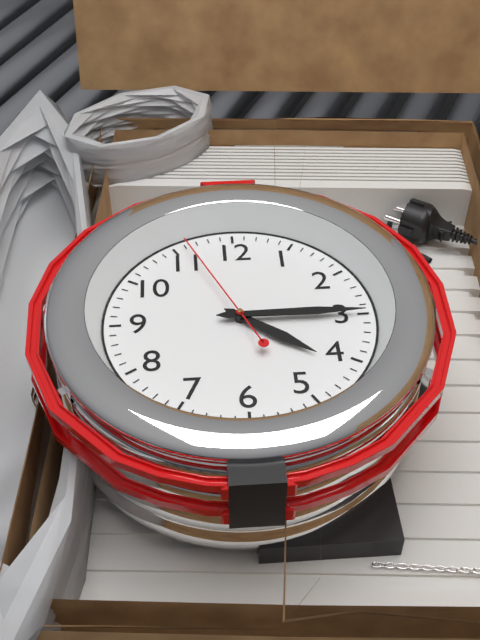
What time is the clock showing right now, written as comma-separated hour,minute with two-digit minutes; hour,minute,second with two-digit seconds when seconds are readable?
4,15,56
